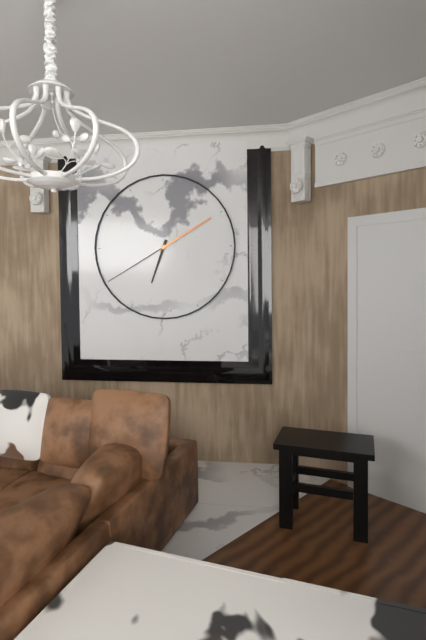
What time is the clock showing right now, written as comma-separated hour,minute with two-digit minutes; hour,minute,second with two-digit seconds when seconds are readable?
6,40
